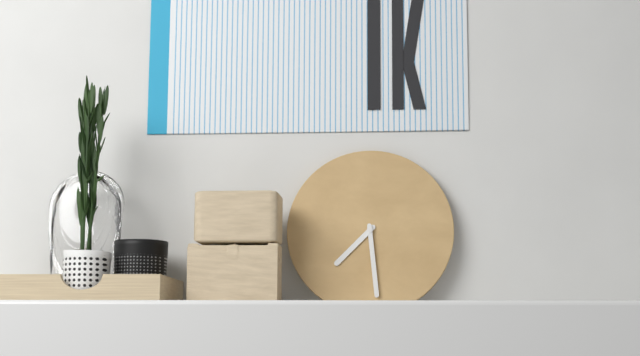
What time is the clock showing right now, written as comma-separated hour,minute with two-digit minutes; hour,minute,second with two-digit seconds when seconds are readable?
7,29
